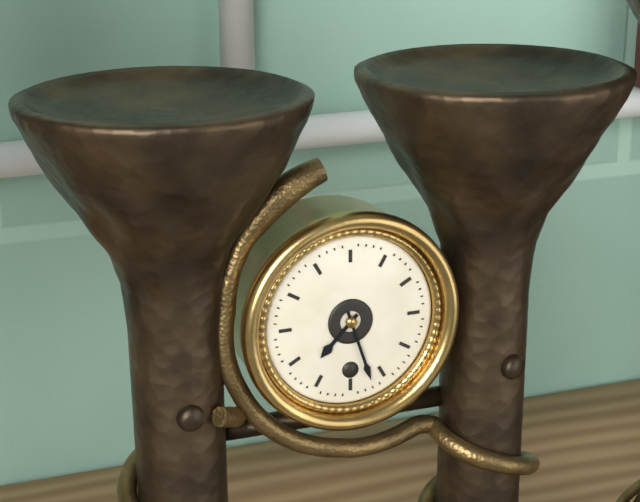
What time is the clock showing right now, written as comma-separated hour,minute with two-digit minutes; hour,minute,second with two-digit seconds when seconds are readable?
7,27
